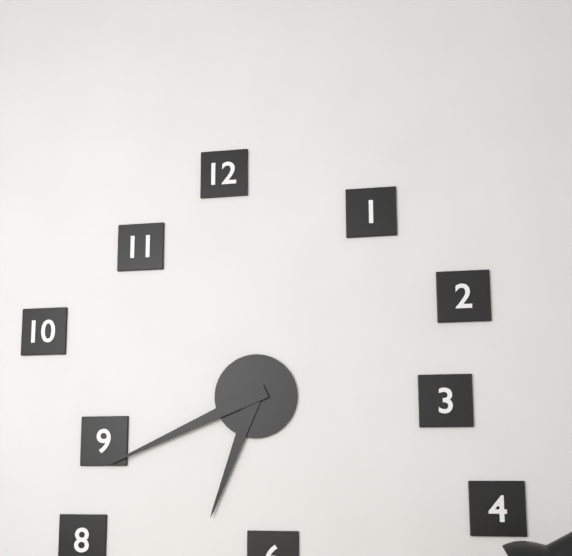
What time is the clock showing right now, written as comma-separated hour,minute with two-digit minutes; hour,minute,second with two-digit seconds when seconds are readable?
6,41
